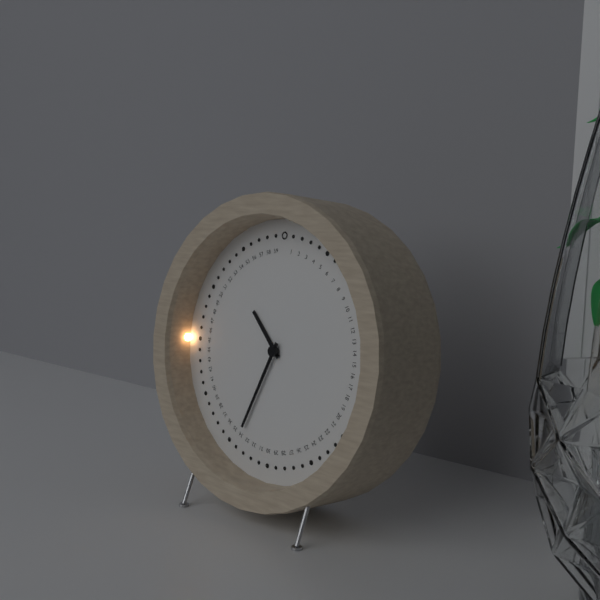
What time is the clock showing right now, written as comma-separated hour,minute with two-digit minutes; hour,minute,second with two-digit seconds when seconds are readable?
10,34
